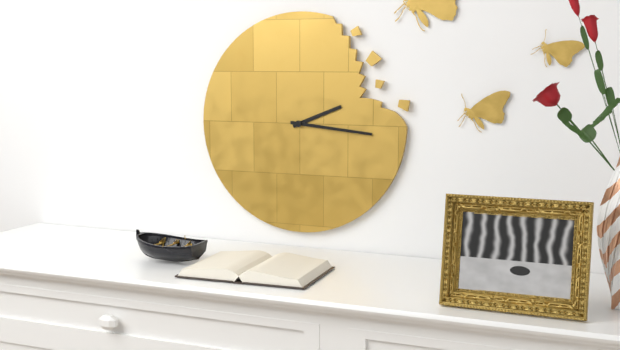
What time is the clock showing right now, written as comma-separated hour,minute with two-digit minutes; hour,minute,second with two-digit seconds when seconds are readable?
2,16
